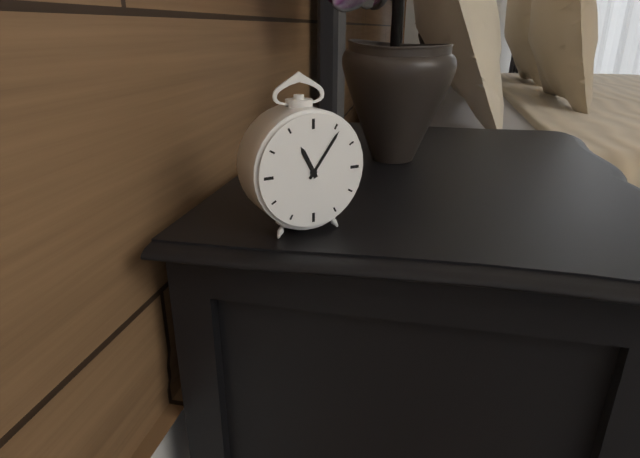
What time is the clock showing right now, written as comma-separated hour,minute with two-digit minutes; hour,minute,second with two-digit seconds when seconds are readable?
11,06
